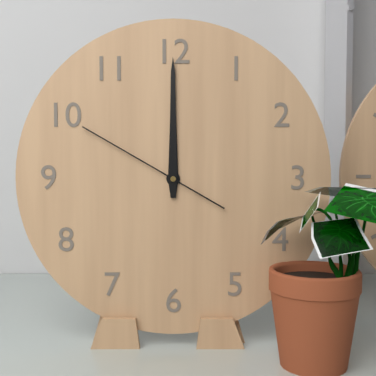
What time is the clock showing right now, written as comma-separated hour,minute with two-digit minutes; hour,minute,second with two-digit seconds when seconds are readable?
12,00,50
